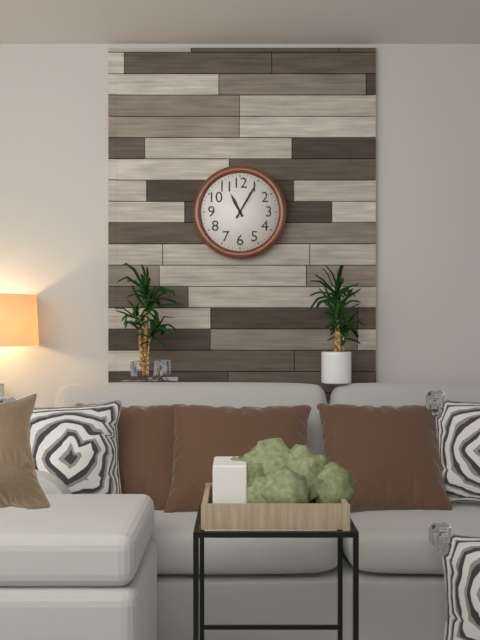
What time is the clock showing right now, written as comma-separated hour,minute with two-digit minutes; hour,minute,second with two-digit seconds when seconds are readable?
11,05
